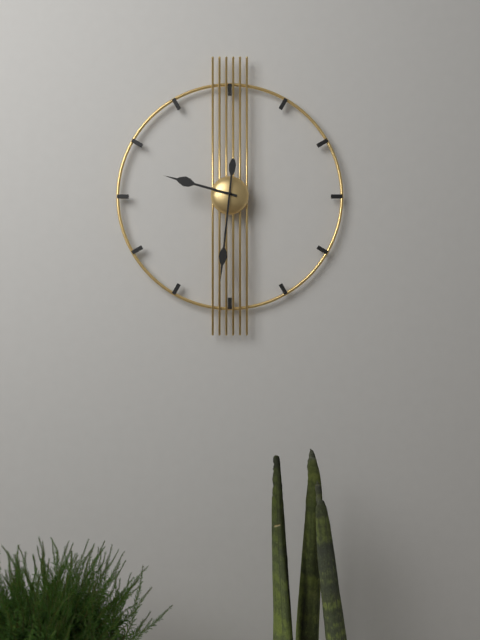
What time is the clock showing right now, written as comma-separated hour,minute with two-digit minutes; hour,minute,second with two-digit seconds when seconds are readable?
9,31
